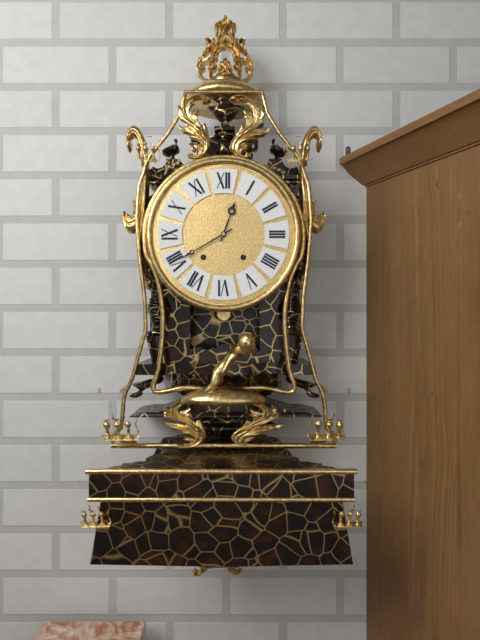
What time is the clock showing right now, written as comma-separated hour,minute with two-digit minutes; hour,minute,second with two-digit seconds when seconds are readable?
12,40
